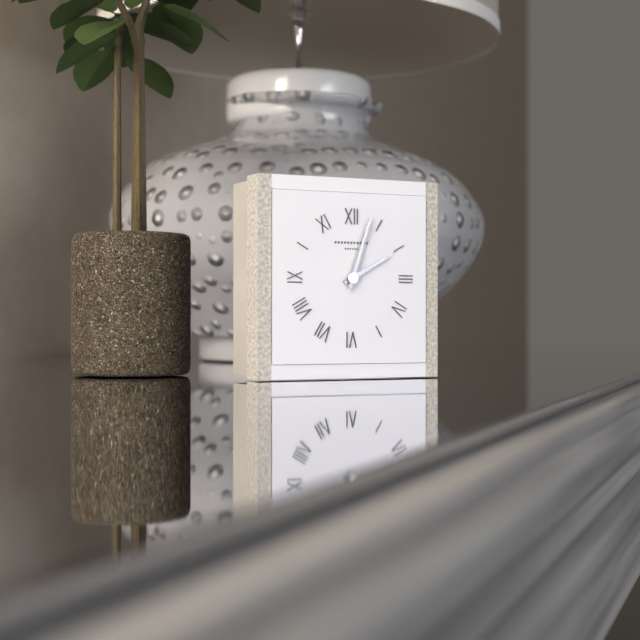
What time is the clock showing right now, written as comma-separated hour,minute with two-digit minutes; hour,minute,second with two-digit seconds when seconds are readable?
2,03
